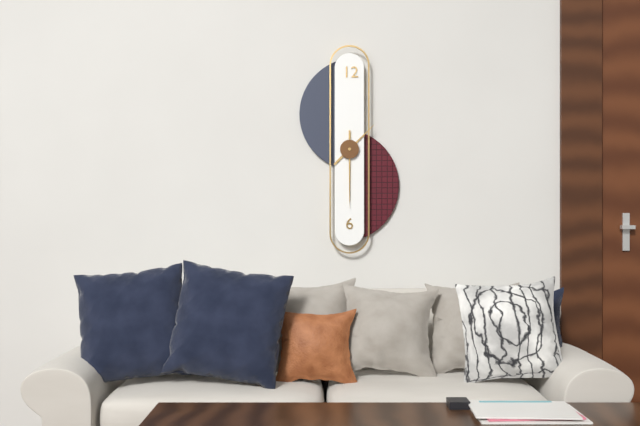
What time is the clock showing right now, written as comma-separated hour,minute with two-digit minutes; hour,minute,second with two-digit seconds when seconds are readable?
1,30
